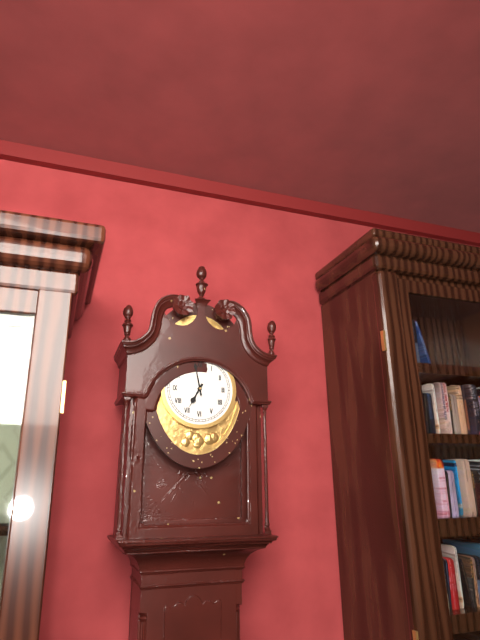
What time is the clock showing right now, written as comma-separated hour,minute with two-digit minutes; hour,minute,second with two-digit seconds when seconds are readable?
6,58
